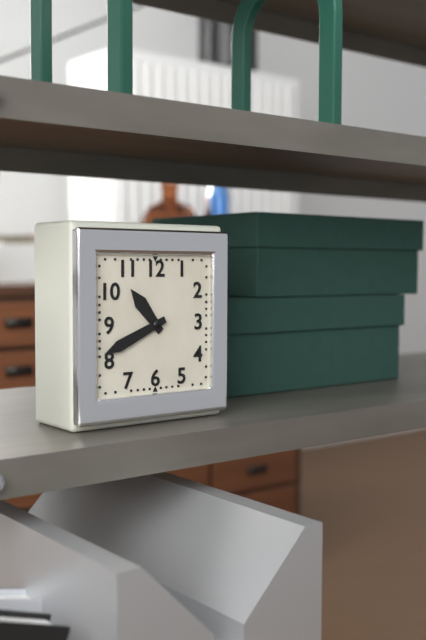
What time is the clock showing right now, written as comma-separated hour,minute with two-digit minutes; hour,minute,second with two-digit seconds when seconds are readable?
10,41
